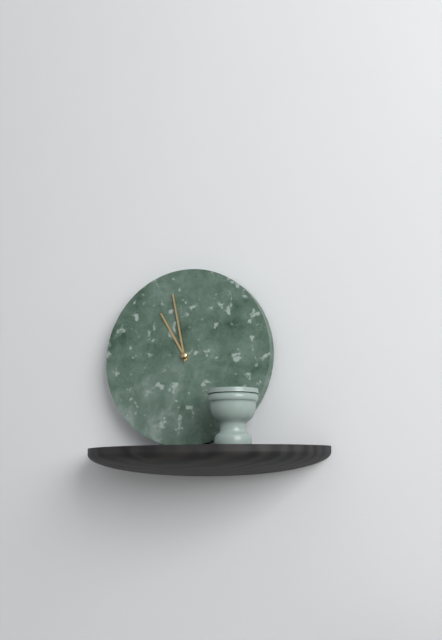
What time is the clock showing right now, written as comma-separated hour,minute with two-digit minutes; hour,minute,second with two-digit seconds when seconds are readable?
10,58
